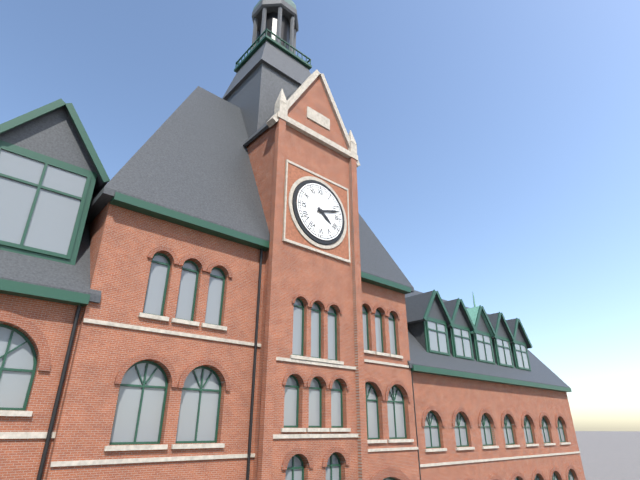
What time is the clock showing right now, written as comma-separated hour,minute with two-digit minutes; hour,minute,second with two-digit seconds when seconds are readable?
4,12
